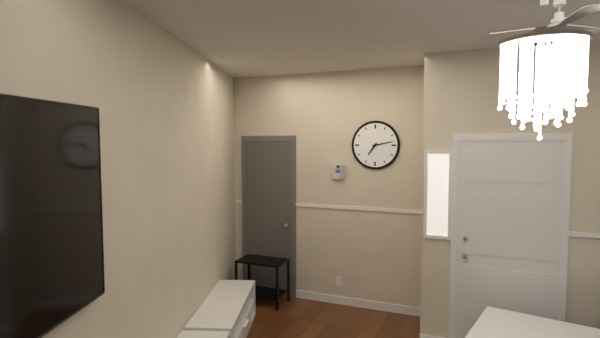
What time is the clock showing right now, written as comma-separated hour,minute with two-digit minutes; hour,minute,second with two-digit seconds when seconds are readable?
7,13
